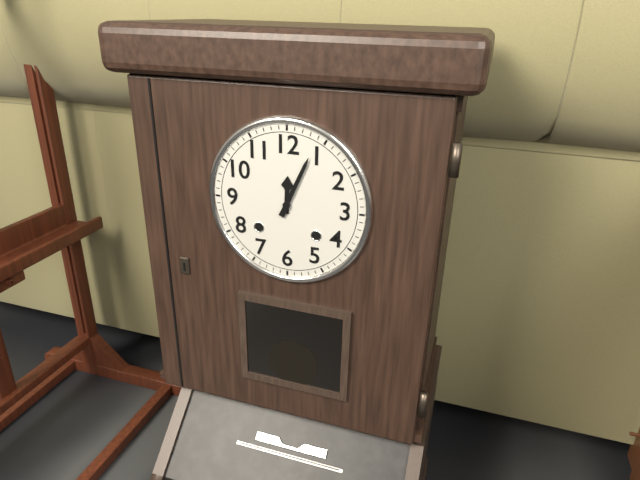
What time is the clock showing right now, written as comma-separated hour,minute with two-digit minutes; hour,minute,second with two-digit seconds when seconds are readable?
12,04
